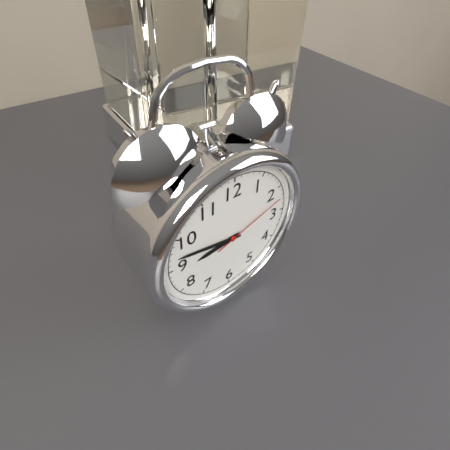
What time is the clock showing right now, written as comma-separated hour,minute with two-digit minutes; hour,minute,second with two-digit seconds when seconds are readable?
8,47,12
